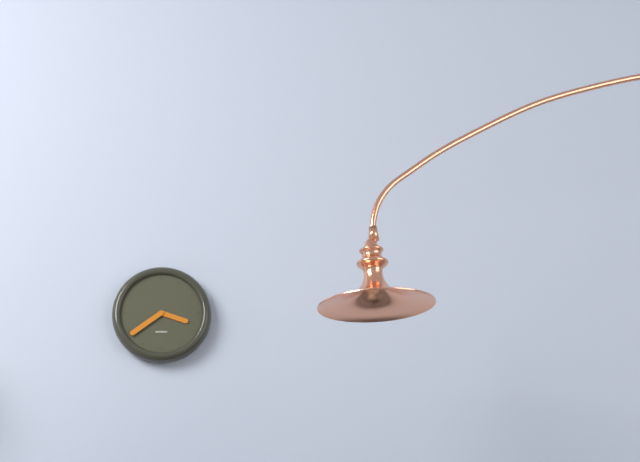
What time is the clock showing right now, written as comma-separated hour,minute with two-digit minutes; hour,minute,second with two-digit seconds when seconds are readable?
3,39
